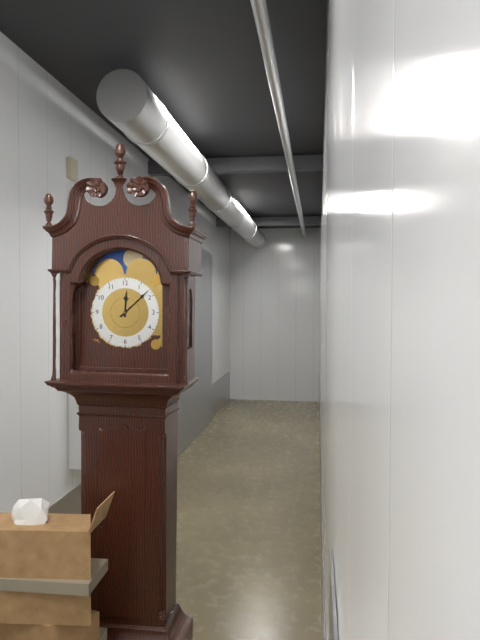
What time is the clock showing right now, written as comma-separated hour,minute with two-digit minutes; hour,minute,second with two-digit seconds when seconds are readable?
12,08
